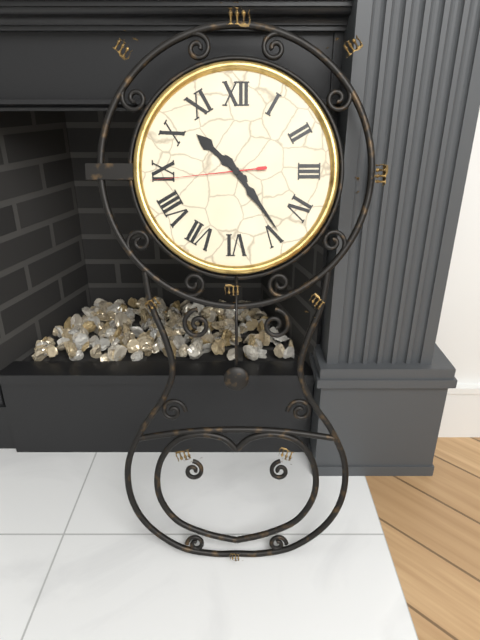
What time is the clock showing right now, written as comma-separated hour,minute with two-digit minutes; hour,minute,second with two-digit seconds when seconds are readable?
10,24,44
